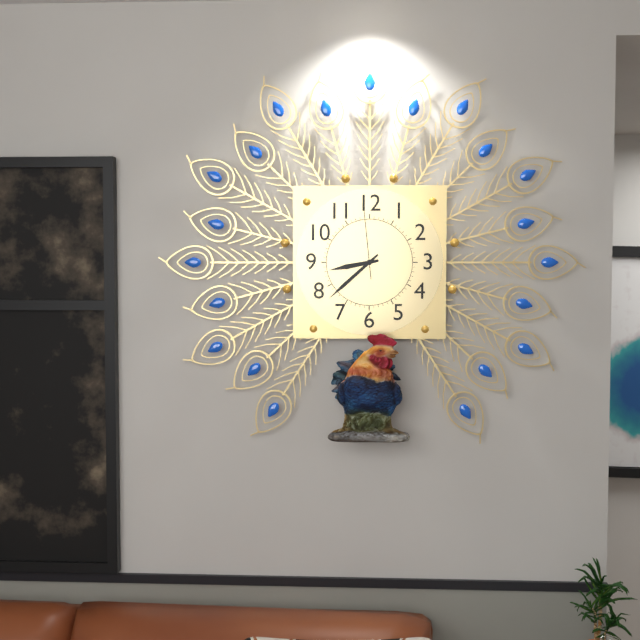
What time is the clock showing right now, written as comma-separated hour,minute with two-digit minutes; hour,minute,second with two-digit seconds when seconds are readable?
8,38,59
